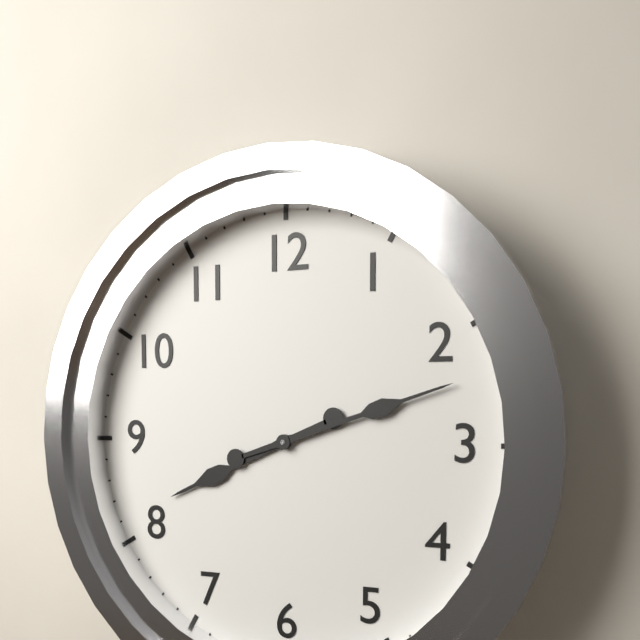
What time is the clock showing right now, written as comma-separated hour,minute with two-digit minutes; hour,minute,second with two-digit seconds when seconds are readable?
8,12
